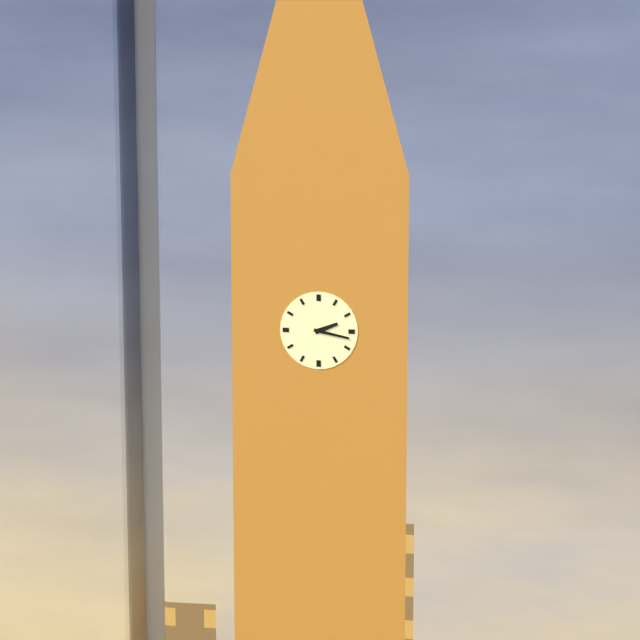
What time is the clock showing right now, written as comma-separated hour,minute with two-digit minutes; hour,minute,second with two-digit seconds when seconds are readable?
2,17
